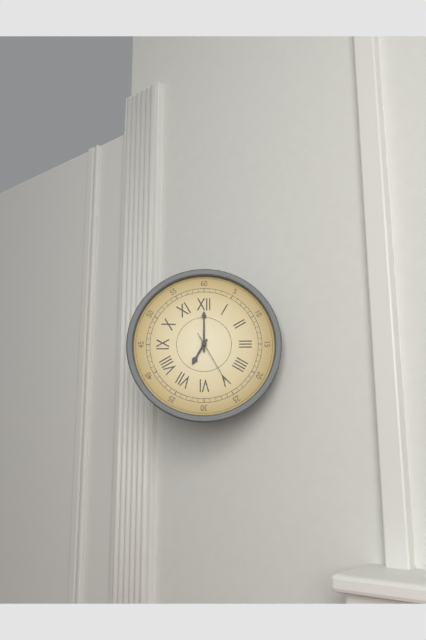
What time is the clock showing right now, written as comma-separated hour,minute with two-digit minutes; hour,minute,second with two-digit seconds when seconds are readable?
7,00,25
